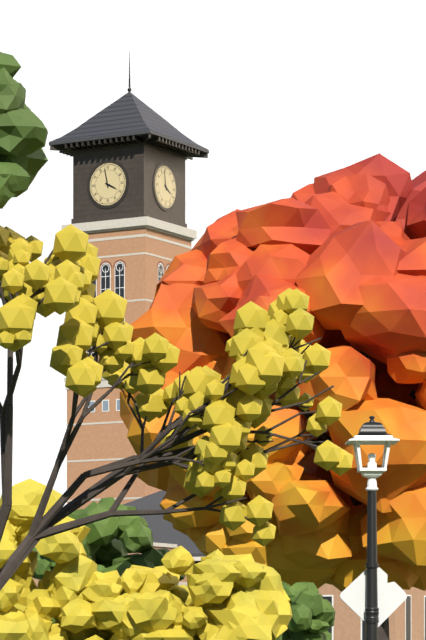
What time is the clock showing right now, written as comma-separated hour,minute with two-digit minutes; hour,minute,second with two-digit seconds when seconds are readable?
3,58
